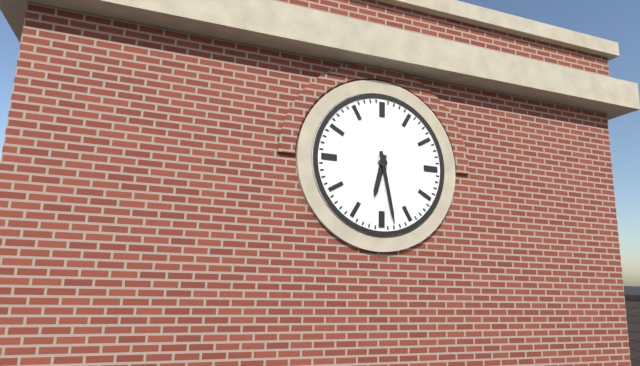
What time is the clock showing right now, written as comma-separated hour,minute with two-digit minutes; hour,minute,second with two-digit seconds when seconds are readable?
6,28
